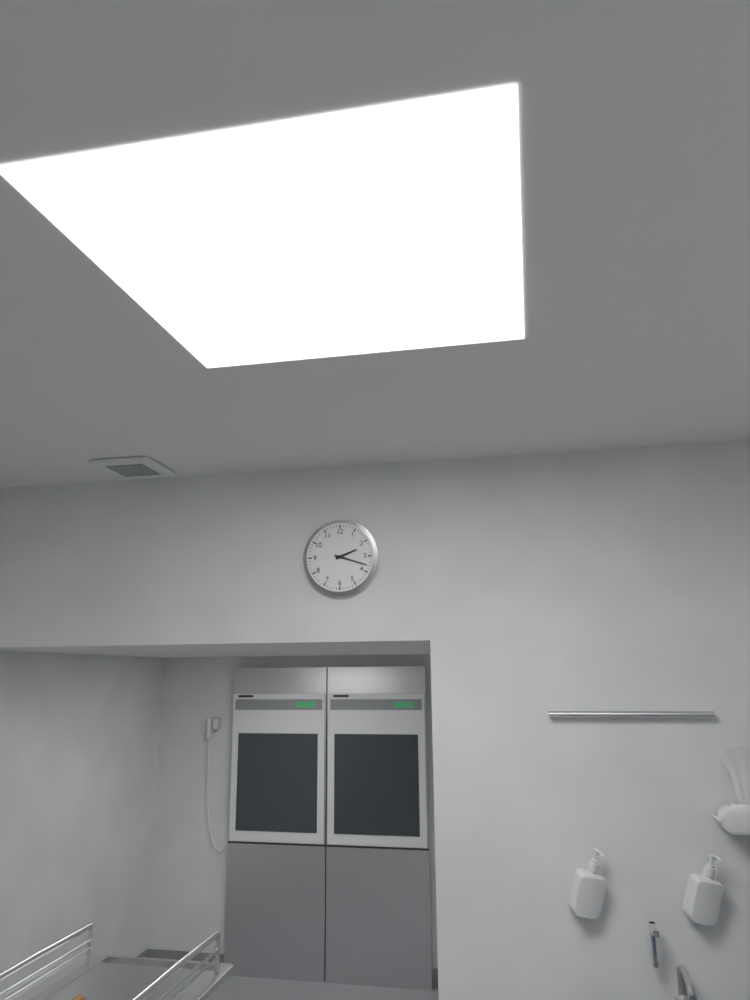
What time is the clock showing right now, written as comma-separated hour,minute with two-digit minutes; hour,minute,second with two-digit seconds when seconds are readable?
2,18
